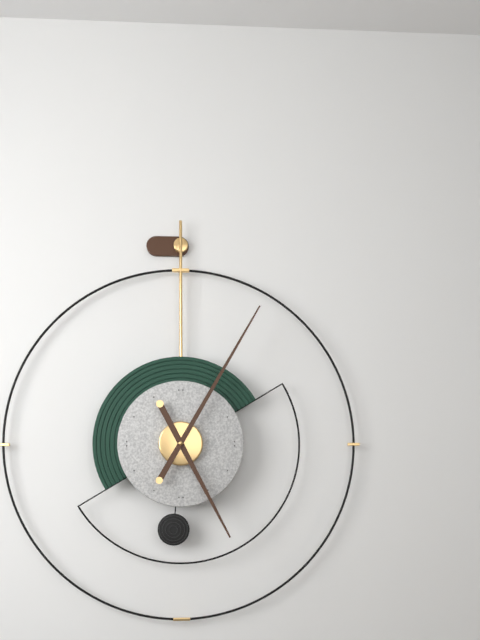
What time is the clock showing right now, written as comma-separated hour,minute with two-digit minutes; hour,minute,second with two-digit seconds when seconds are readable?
5,05
